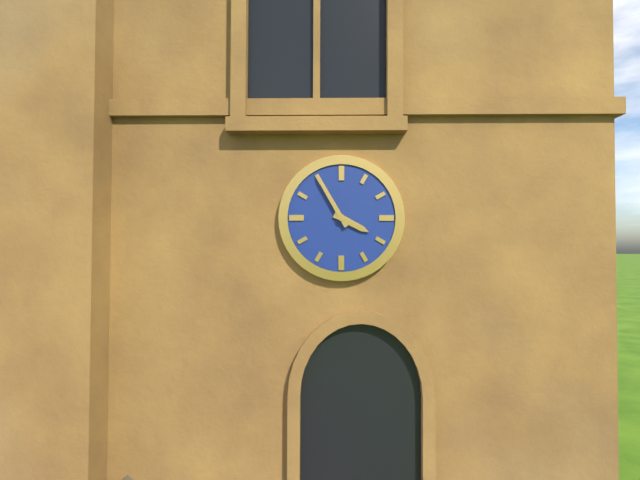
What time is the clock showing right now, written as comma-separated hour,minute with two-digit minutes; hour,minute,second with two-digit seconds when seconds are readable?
3,55
